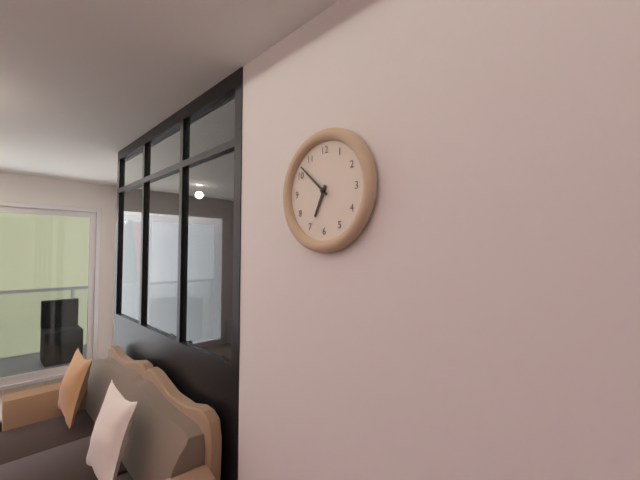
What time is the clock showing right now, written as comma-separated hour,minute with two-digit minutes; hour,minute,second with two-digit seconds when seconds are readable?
6,52
